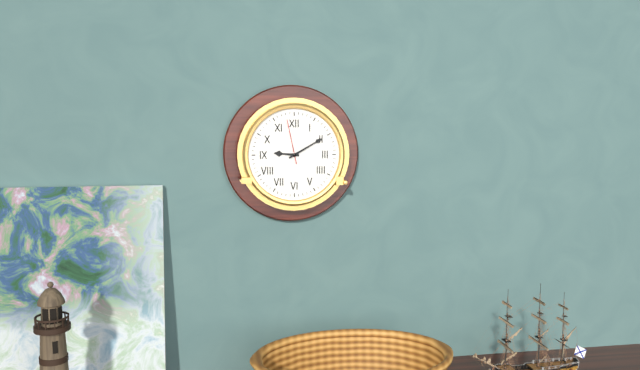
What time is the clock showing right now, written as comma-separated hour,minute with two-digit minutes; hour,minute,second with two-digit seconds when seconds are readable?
9,10
